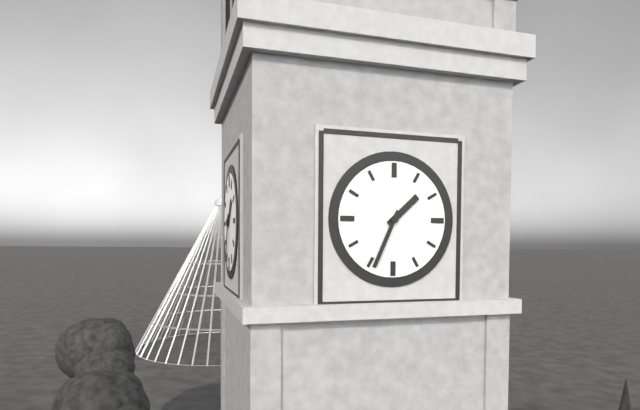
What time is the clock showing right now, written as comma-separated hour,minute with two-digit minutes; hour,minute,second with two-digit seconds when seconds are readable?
1,34
